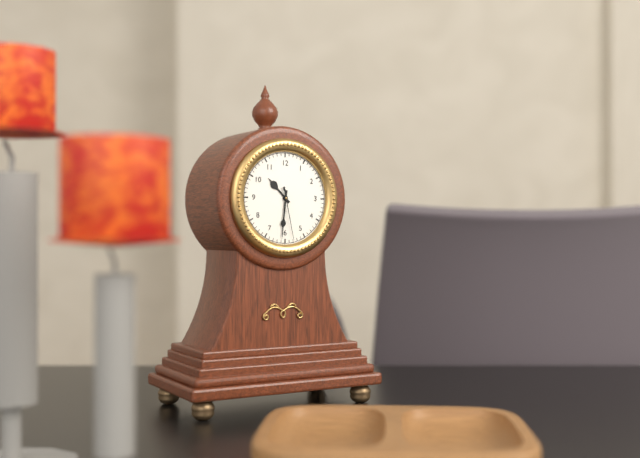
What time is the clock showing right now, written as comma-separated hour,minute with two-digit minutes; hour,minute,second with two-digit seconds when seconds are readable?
10,31,28
